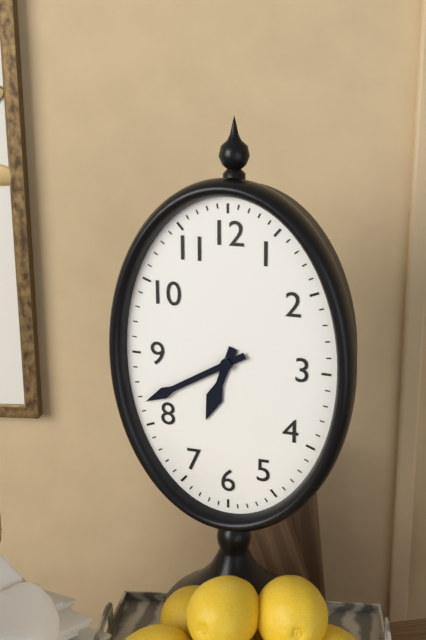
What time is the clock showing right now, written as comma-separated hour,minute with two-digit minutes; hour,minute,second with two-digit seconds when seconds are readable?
6,40
